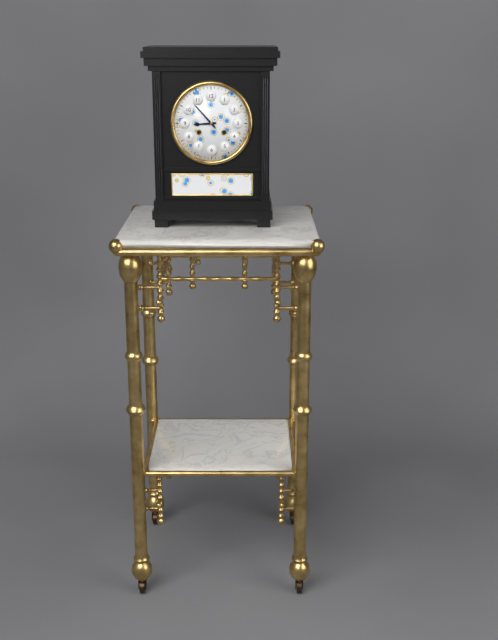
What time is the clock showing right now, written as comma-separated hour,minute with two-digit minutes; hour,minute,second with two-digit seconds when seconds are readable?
8,53
